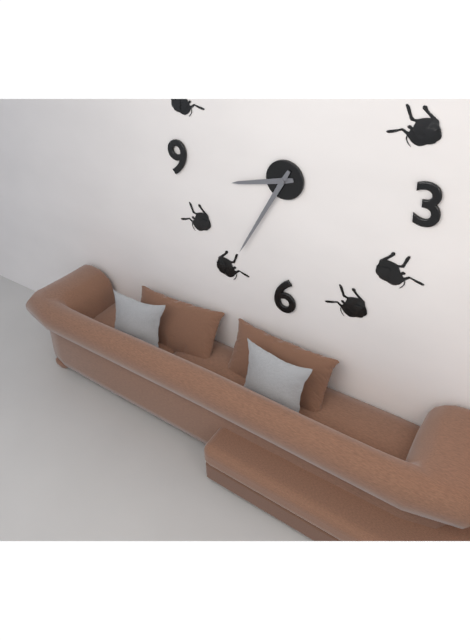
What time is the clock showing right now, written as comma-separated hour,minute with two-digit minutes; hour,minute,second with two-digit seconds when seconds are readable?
8,35
